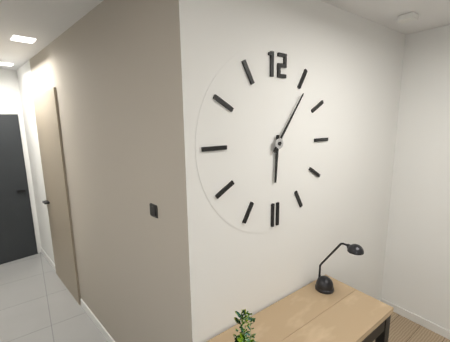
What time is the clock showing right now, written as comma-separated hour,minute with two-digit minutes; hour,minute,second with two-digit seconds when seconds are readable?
6,06
